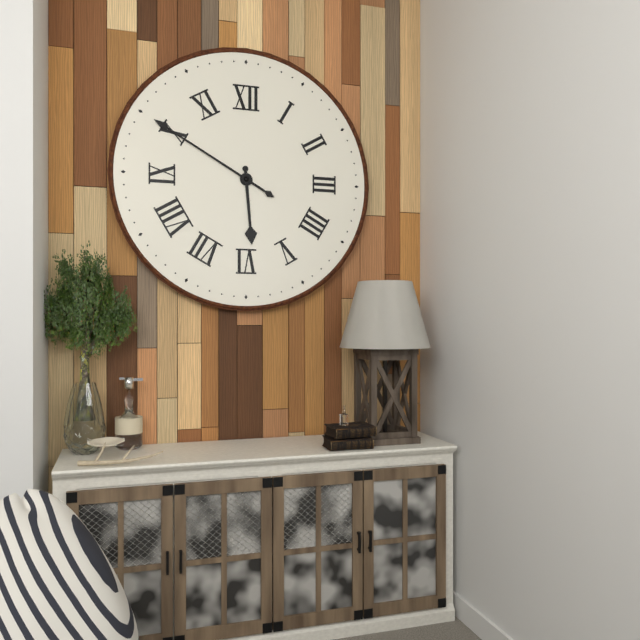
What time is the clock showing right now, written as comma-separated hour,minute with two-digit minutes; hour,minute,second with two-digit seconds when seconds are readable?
5,50
